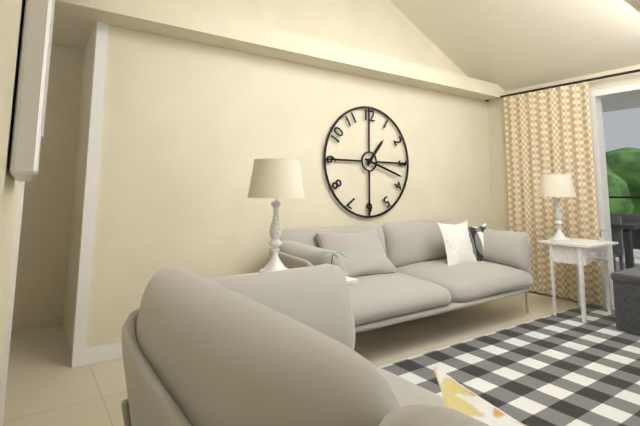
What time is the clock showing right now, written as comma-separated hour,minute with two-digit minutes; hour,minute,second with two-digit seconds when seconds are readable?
1,18
